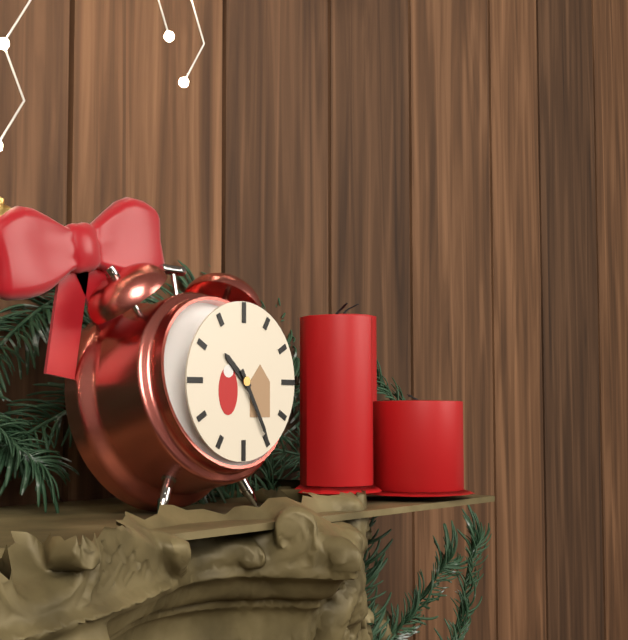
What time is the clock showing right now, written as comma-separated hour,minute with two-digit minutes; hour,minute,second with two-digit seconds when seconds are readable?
10,25
